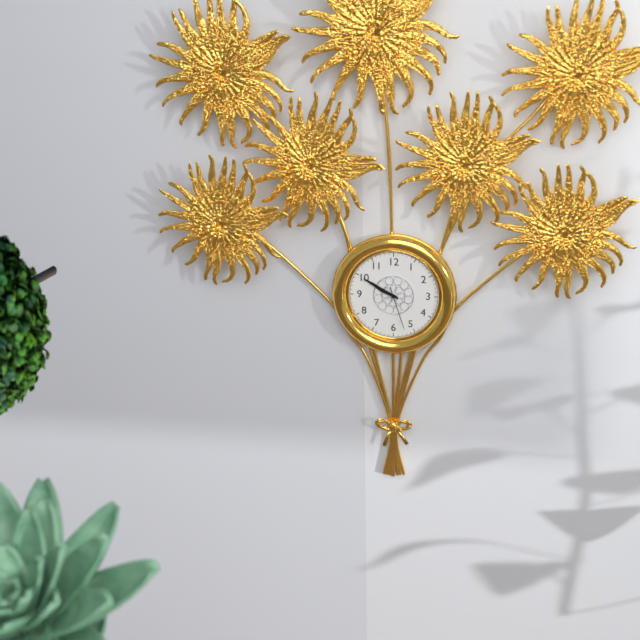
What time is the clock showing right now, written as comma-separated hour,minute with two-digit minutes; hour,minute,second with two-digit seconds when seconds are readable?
9,50
